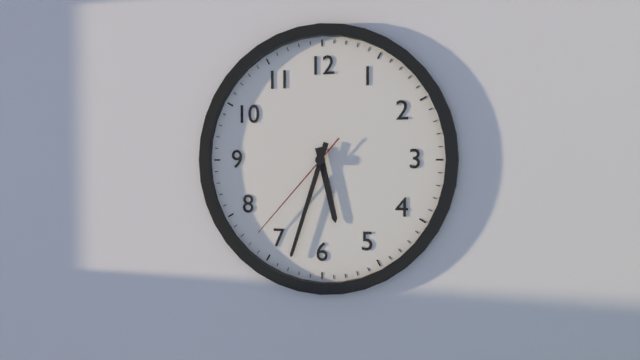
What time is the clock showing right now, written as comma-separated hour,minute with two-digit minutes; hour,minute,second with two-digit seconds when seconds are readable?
5,33,37
